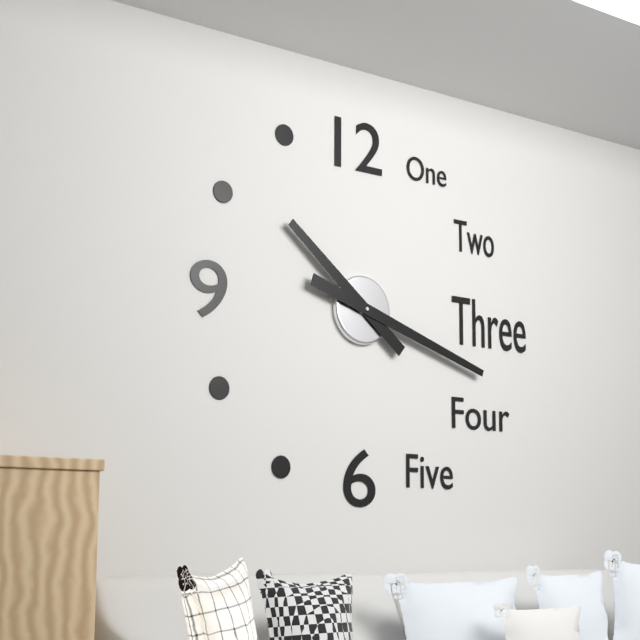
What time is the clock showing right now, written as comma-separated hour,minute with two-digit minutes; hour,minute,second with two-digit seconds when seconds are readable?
10,18
